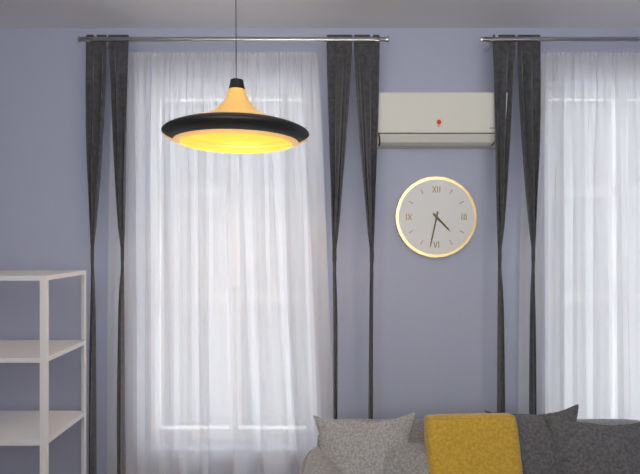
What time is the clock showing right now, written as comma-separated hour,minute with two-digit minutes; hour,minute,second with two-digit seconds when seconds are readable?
4,32
